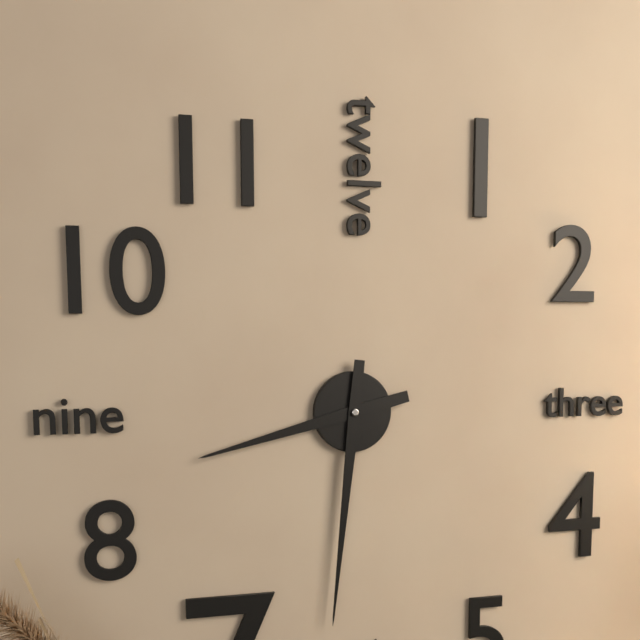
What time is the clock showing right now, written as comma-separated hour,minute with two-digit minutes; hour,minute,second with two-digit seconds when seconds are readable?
8,31
